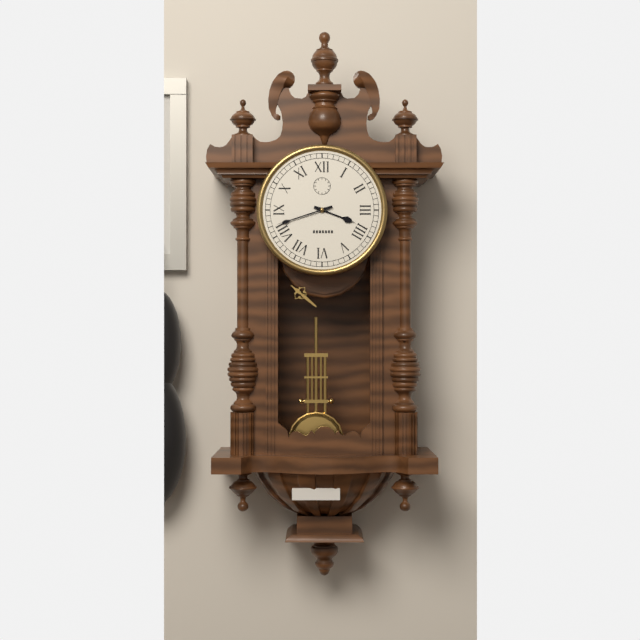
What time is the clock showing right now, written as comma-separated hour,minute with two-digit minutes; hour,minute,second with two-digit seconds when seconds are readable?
3,42
